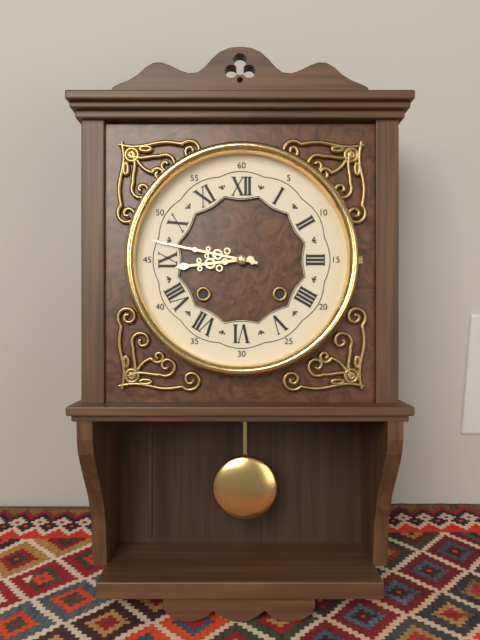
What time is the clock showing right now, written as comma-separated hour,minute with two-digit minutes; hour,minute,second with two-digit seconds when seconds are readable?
8,47
